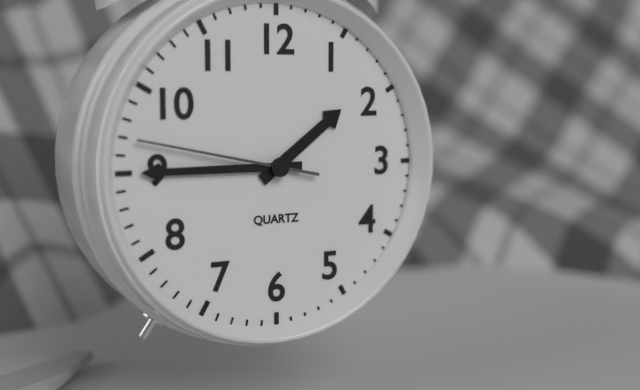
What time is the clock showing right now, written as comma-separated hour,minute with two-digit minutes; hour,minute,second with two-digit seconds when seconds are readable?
1,45,47
